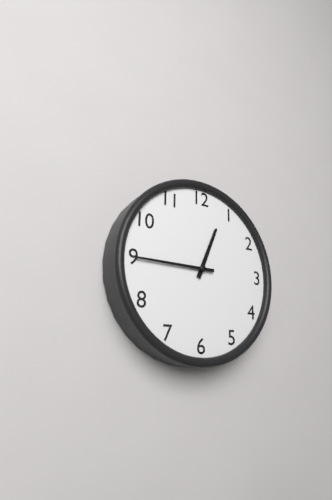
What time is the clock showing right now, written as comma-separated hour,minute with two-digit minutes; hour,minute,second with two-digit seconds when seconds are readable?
12,45
